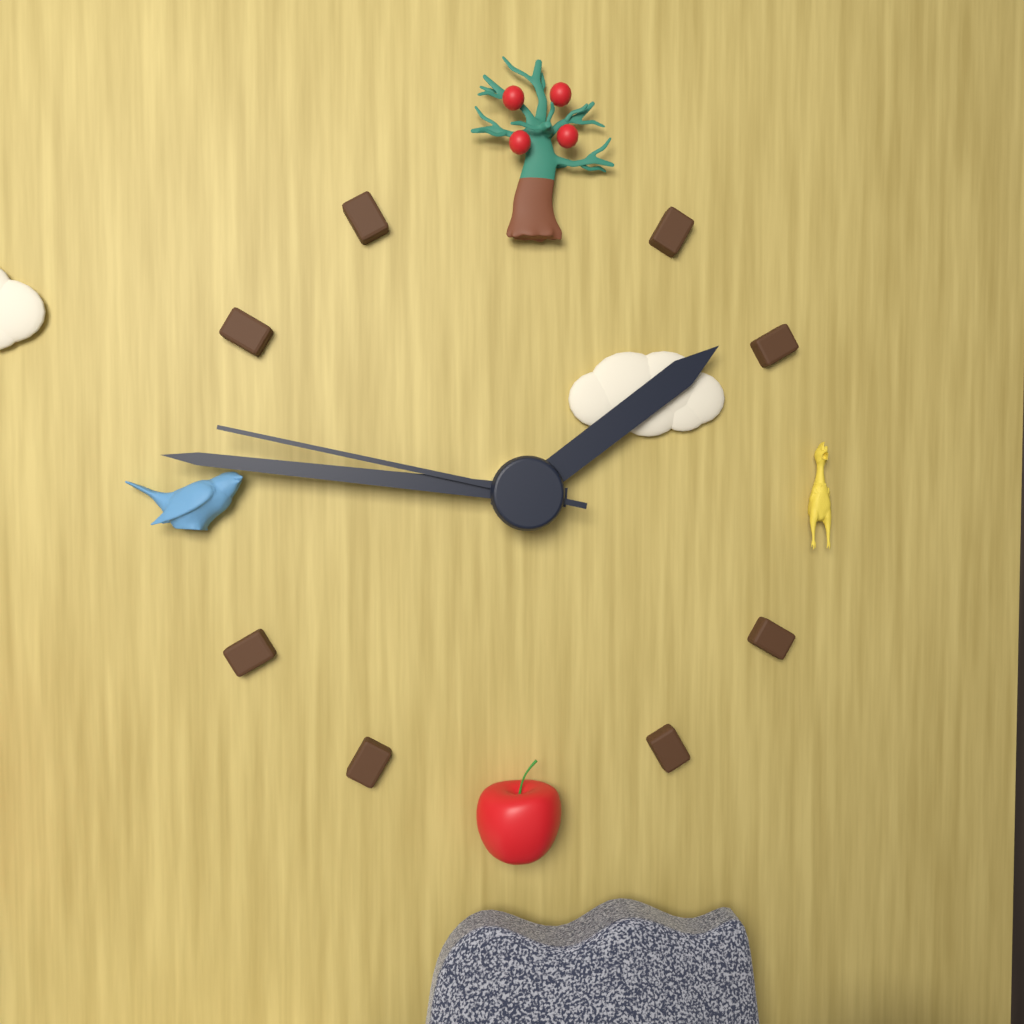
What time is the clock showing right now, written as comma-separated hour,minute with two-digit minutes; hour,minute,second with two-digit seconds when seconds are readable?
1,46,47
